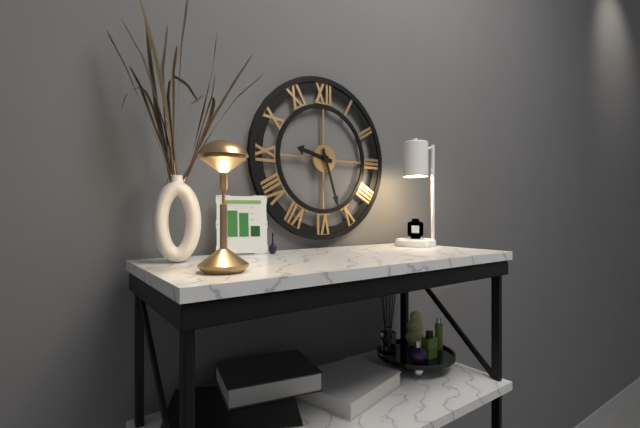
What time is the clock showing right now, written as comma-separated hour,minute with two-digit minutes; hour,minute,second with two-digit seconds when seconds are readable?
9,27
